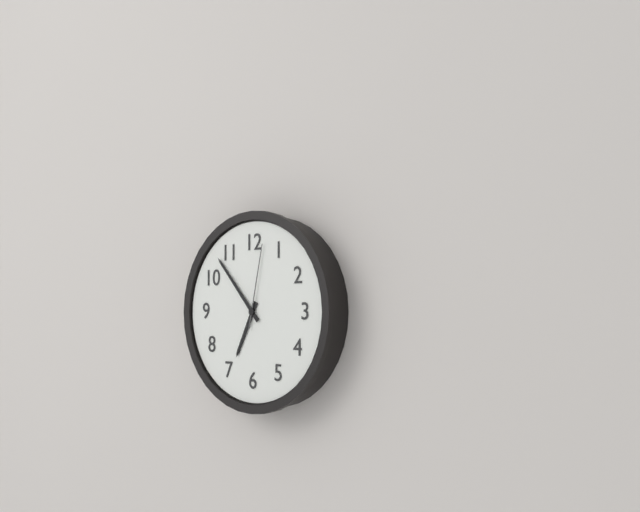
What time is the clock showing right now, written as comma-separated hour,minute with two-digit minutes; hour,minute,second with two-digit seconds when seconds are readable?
6,53,02
